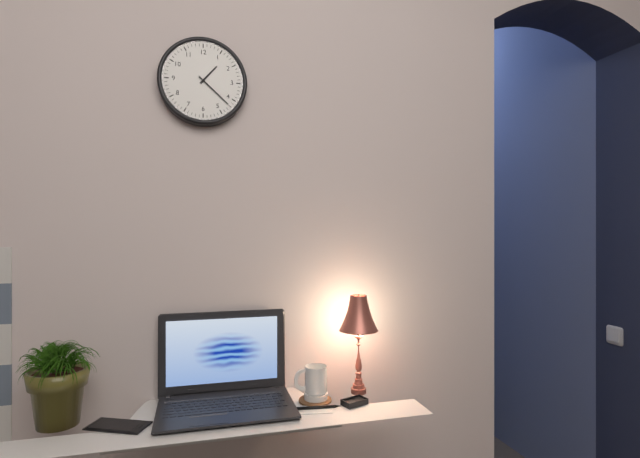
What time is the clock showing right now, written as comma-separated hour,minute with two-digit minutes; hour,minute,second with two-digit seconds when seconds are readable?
1,22
